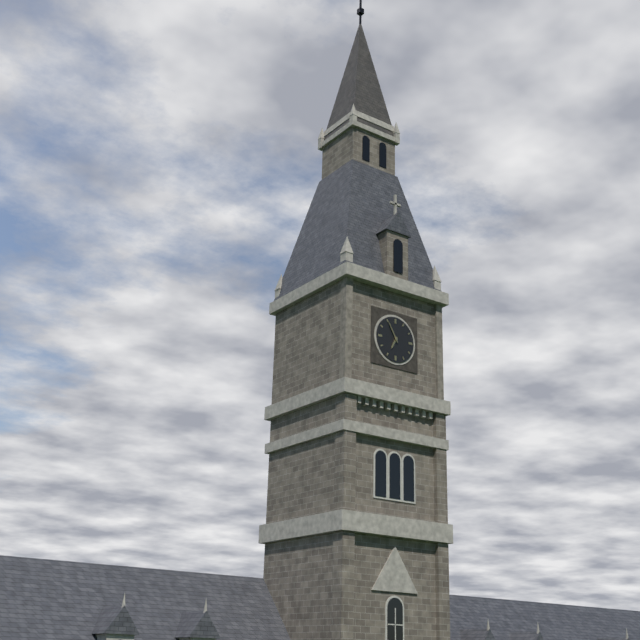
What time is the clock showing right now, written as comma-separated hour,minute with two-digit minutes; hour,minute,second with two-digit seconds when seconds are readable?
6,55
